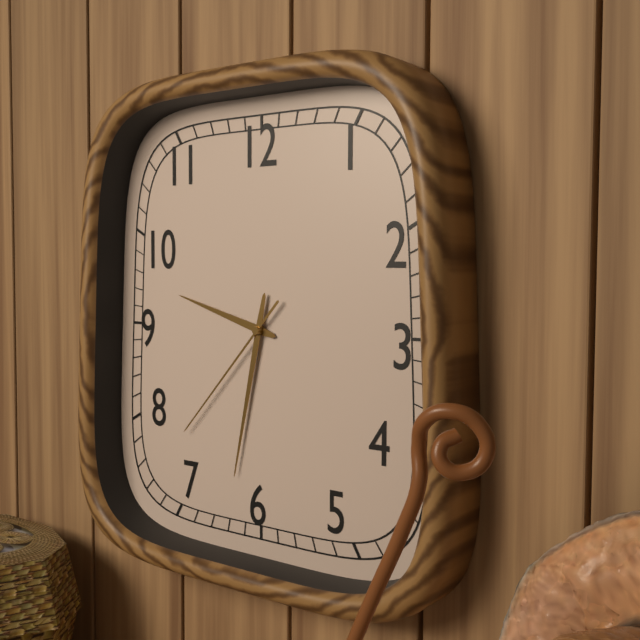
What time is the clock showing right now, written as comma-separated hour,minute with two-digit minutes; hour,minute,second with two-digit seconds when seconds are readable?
9,32,37
